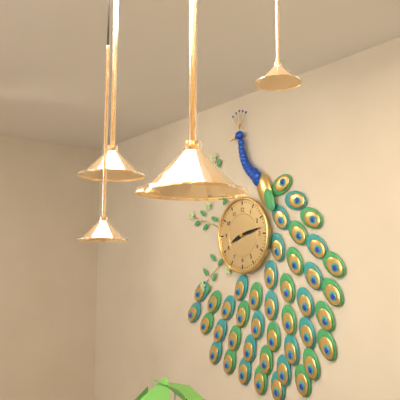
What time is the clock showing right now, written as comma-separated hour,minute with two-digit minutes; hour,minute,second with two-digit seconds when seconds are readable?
8,13
